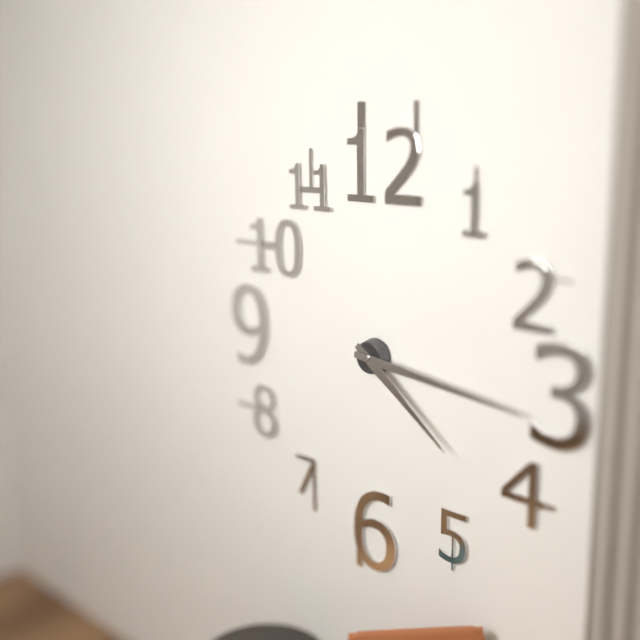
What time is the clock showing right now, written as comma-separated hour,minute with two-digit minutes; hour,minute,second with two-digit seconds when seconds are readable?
4,16
